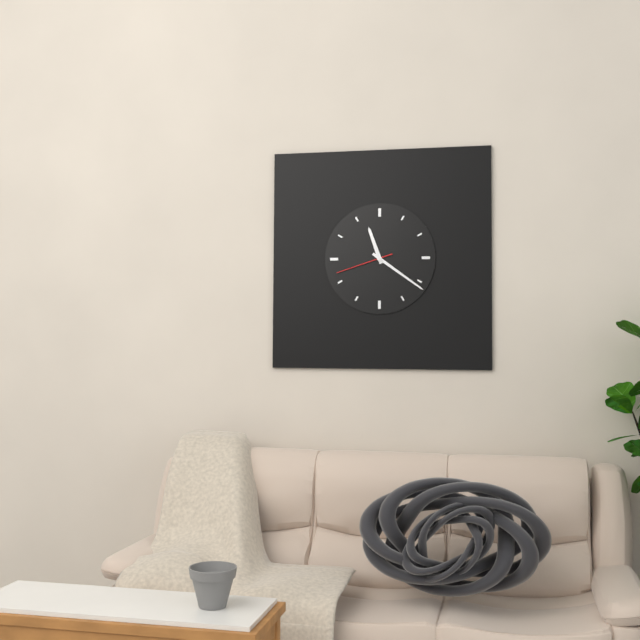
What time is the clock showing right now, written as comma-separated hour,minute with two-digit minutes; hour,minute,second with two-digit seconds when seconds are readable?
11,21,42
